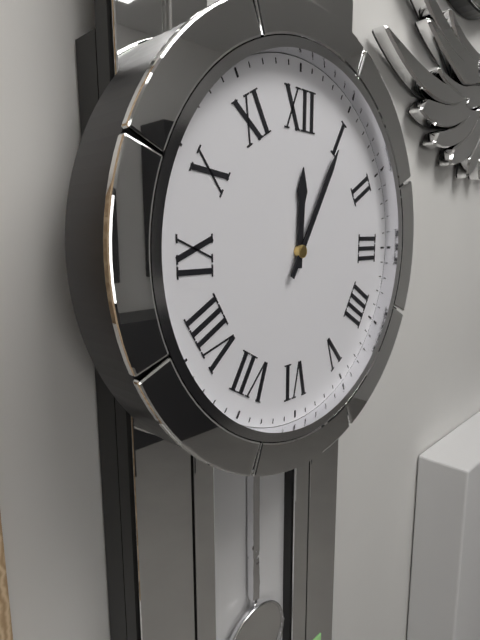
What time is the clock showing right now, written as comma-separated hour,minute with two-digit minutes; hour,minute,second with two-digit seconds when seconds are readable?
12,05
